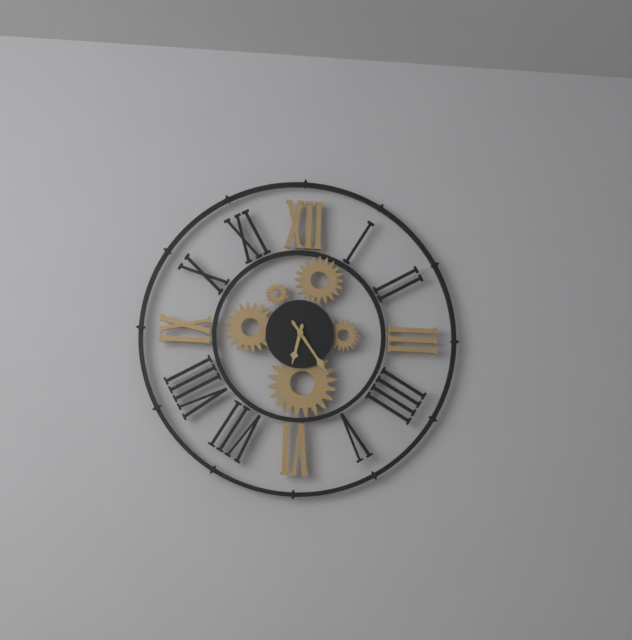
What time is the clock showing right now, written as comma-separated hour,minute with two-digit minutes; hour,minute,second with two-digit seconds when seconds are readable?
6,24
